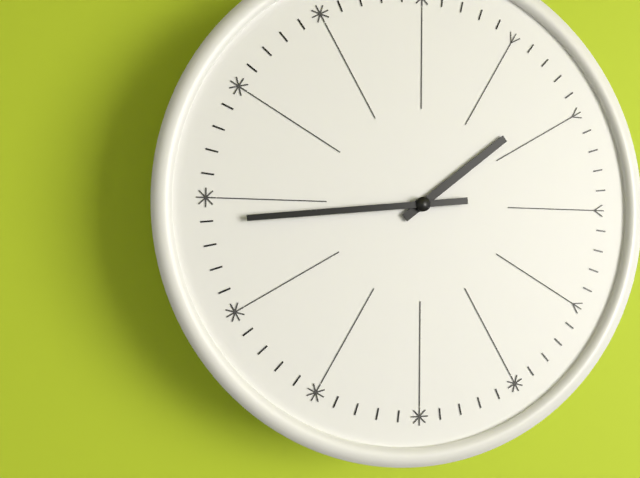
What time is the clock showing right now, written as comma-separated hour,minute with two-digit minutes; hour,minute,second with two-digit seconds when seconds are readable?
1,44
